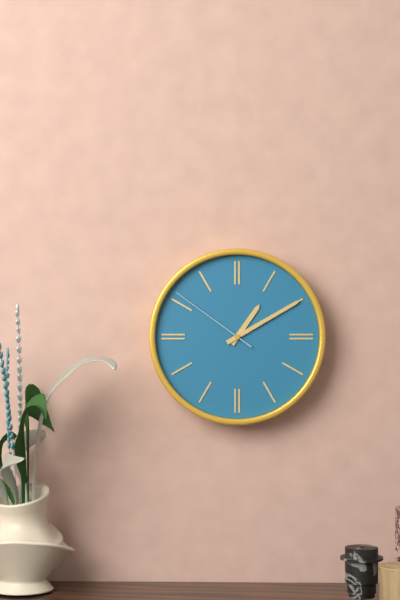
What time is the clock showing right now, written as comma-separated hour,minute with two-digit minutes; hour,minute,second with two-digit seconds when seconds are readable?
1,10,51
